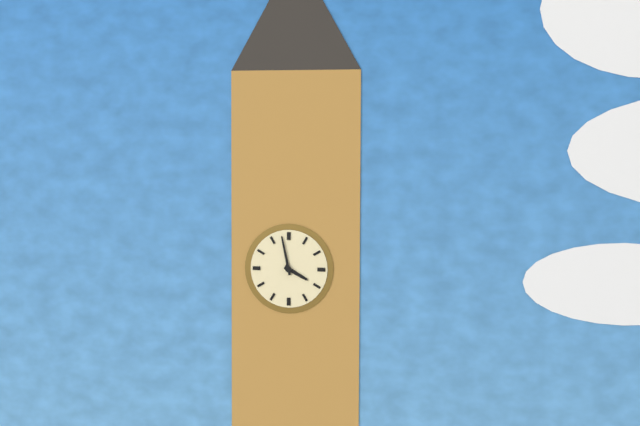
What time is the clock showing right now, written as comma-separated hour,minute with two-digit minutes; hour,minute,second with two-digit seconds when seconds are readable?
3,58
